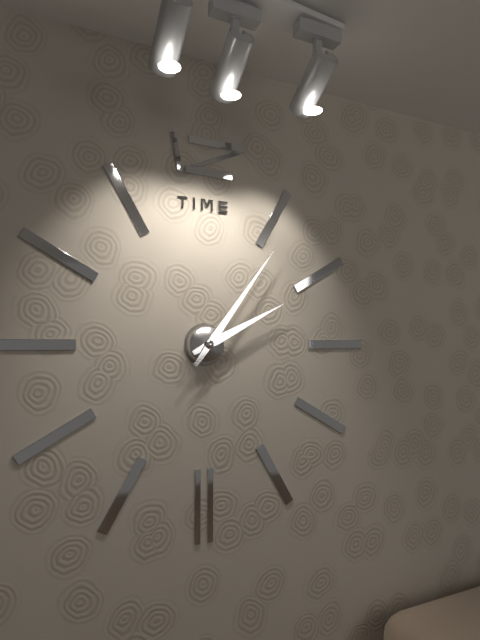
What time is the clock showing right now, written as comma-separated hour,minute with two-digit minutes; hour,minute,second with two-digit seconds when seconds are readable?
2,06
